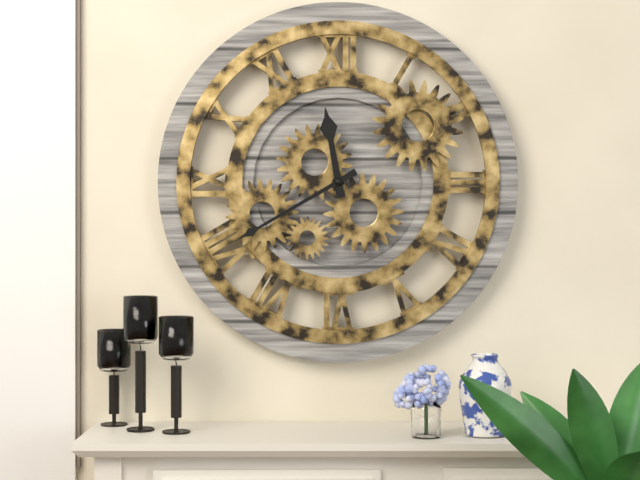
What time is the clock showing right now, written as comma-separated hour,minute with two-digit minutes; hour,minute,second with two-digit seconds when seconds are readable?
11,40
